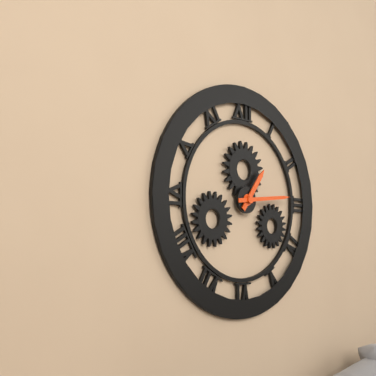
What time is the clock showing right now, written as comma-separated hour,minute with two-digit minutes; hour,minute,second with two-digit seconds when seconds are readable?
1,14
